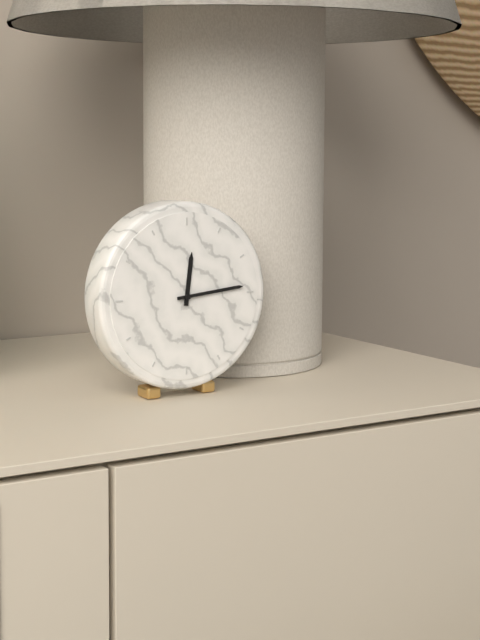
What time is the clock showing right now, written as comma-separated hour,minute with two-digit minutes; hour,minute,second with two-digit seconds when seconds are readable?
12,14
